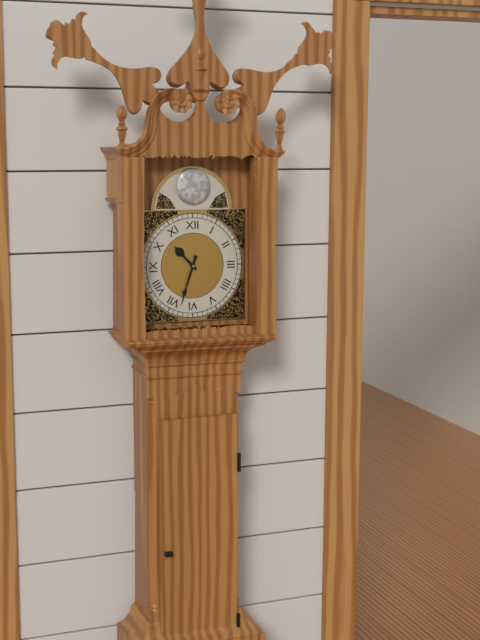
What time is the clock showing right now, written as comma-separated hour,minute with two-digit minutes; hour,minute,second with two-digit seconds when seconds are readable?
10,33
